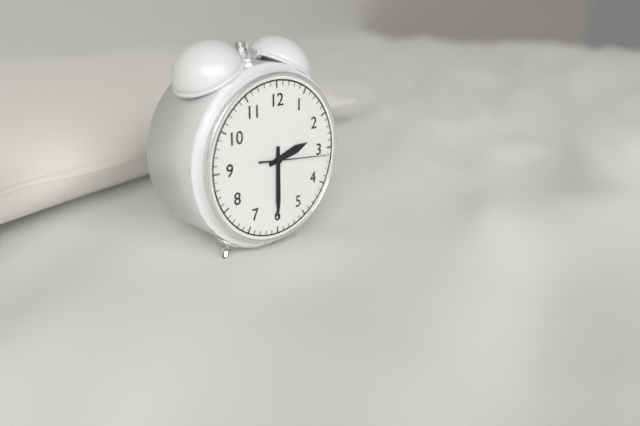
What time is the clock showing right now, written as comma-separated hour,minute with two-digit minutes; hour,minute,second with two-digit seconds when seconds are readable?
2,30,16
